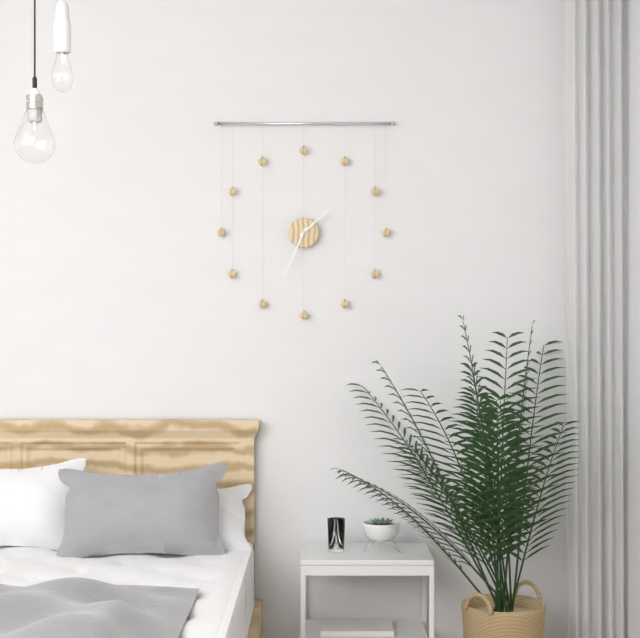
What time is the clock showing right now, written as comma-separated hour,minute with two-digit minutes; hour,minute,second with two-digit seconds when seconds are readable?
1,34
